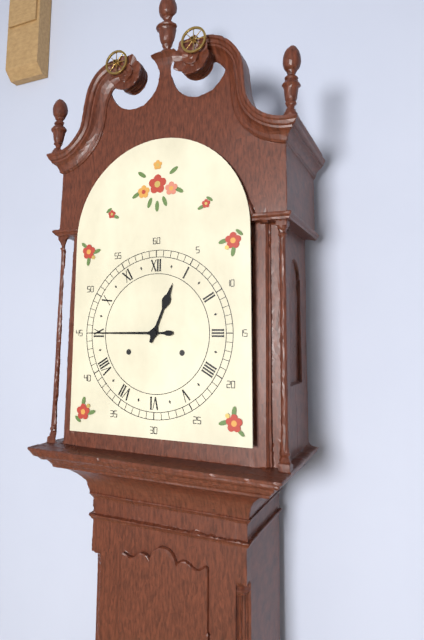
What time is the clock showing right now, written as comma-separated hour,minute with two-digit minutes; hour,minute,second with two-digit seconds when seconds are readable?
12,45
